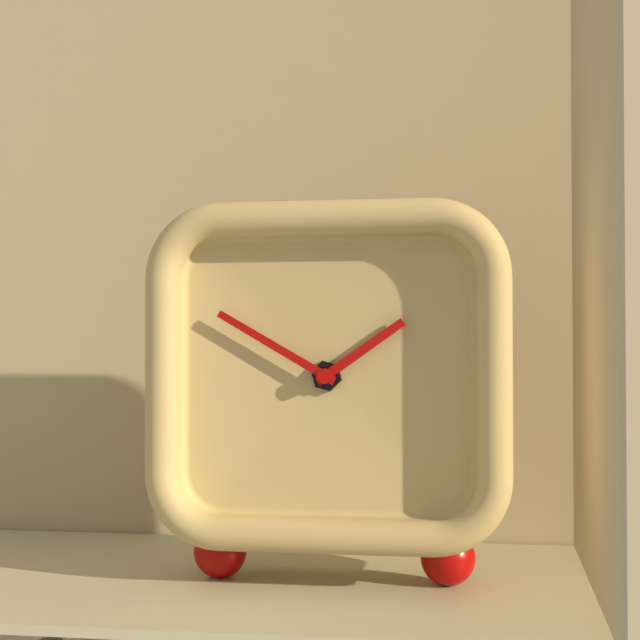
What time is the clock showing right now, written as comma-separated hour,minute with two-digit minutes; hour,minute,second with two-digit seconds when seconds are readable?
1,50
